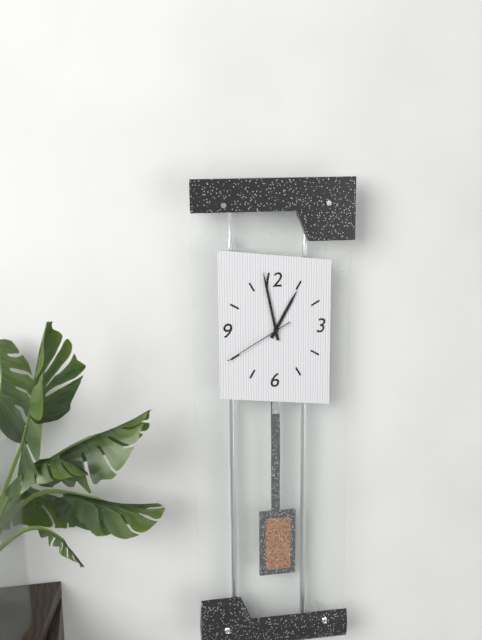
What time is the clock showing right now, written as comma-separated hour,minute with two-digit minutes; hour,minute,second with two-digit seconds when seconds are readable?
12,58,40
